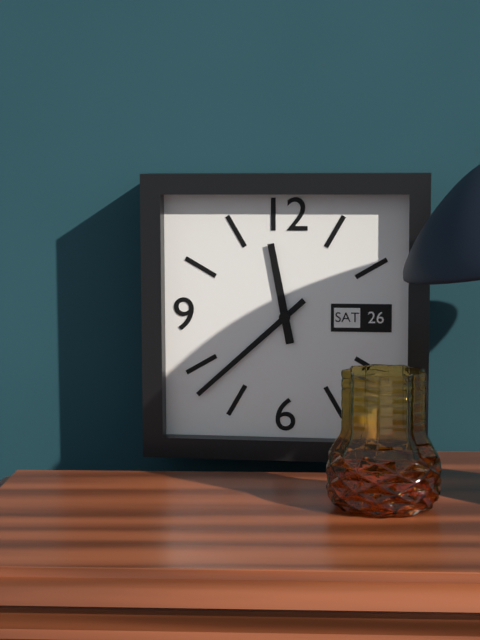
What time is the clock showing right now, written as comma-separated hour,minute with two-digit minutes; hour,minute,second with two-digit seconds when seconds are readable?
11,38
